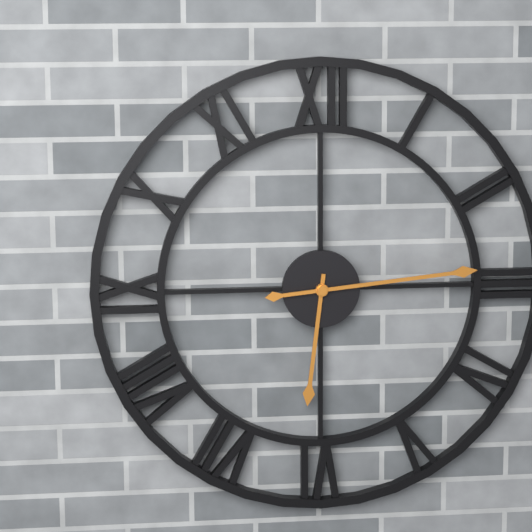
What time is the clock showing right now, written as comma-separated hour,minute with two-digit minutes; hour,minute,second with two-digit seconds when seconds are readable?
6,14
